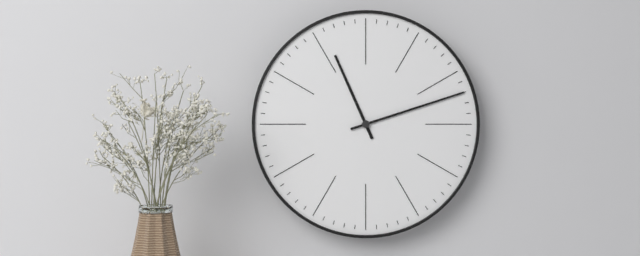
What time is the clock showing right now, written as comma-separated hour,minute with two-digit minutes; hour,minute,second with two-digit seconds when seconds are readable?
11,12
